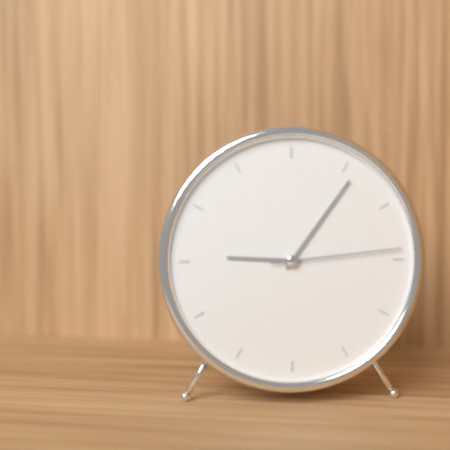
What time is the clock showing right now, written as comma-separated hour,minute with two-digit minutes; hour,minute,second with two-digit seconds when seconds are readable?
9,06,14
